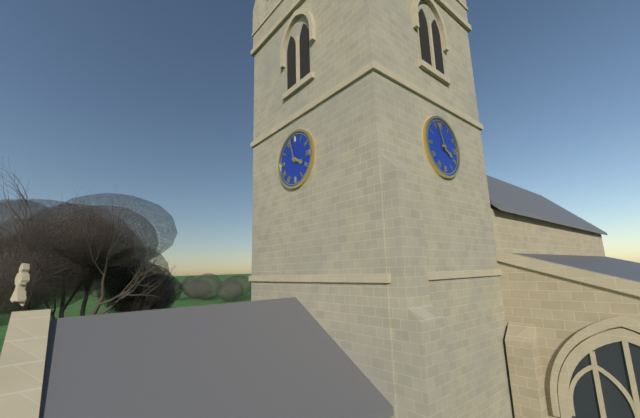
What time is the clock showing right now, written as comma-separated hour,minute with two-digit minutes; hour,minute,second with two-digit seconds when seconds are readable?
3,57
